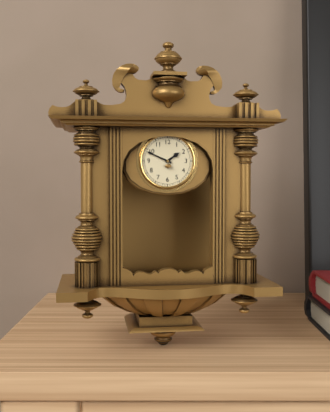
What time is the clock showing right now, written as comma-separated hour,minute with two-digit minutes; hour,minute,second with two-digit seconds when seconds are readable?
1,49
